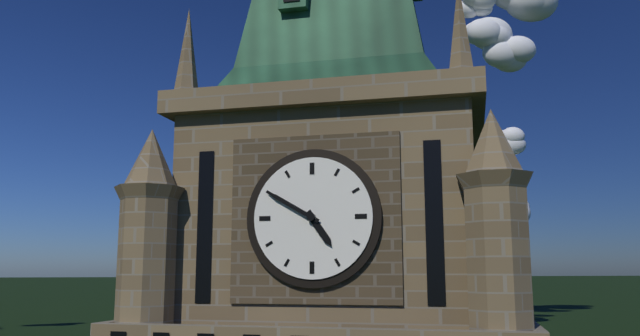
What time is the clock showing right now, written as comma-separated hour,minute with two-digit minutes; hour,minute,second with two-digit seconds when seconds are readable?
4,50
